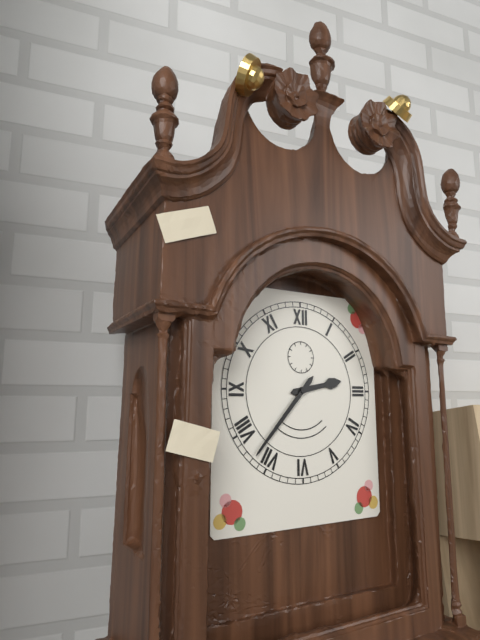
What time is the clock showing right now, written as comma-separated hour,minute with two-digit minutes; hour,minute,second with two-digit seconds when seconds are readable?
2,37
